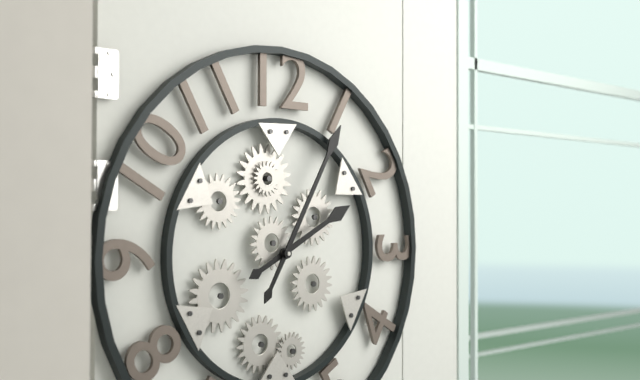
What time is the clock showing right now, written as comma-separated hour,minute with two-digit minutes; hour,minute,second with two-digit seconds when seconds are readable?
2,05
